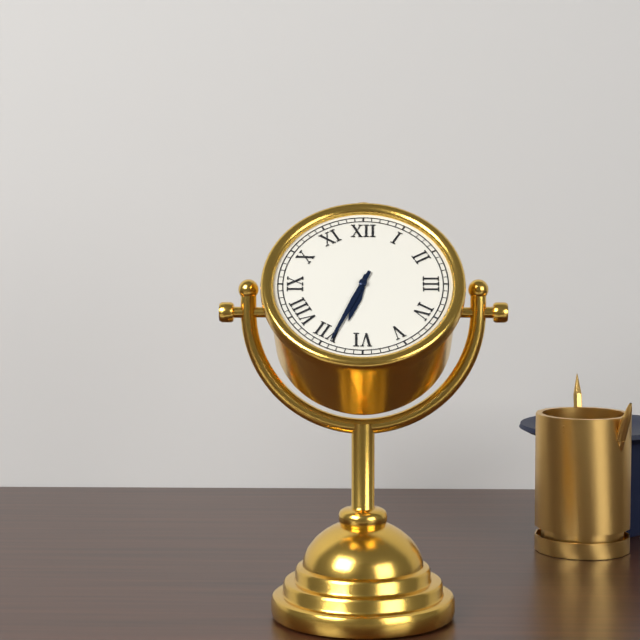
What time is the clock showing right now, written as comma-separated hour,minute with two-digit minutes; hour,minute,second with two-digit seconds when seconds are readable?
6,34
